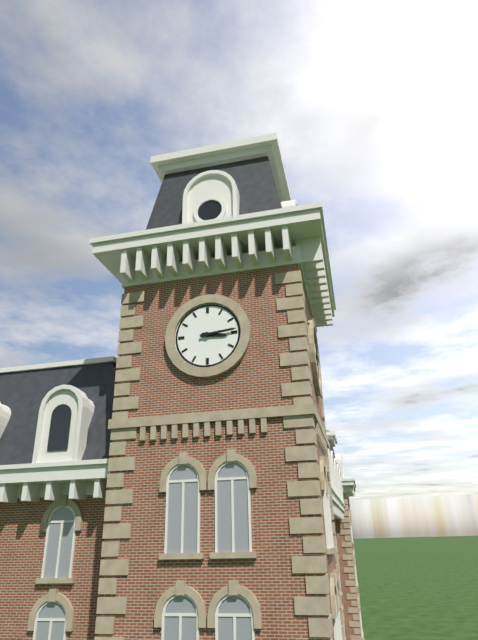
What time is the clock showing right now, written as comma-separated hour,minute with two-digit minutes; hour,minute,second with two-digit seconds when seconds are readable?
3,14
